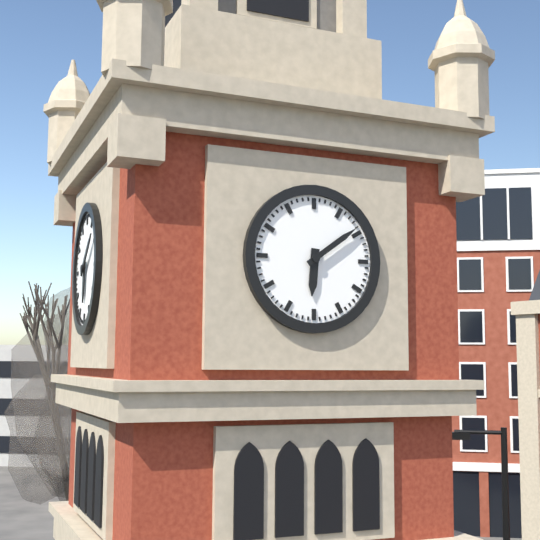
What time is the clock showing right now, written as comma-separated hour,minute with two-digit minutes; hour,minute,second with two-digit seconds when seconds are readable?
6,09
